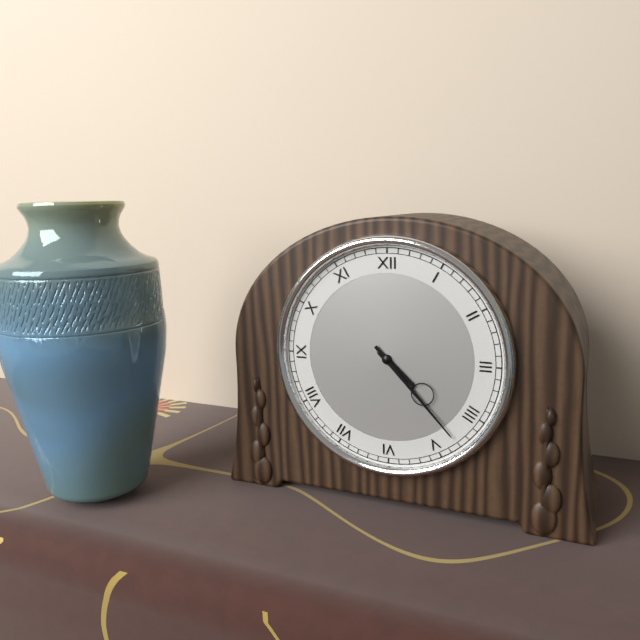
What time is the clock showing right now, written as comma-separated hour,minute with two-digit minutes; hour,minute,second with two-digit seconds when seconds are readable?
4,23
